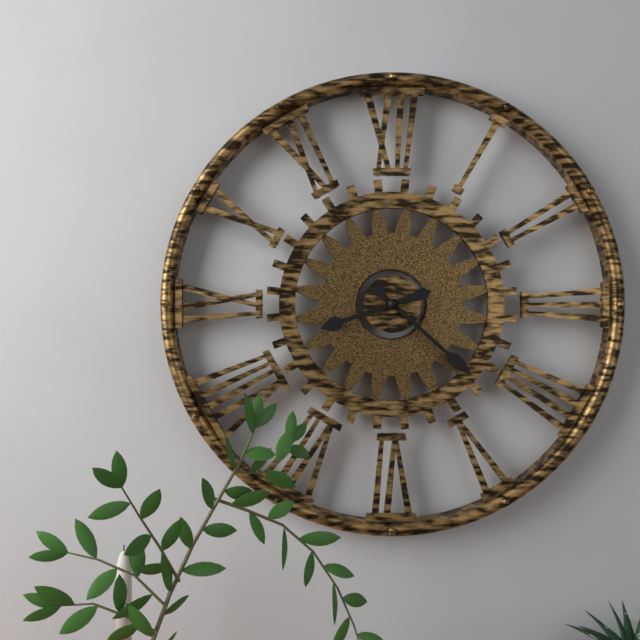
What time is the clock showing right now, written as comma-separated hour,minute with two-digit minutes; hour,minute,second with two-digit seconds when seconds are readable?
8,22
